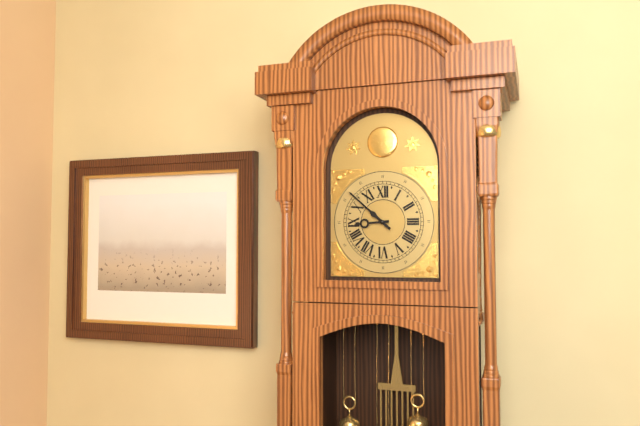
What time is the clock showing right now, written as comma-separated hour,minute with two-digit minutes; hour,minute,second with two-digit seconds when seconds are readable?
8,52
